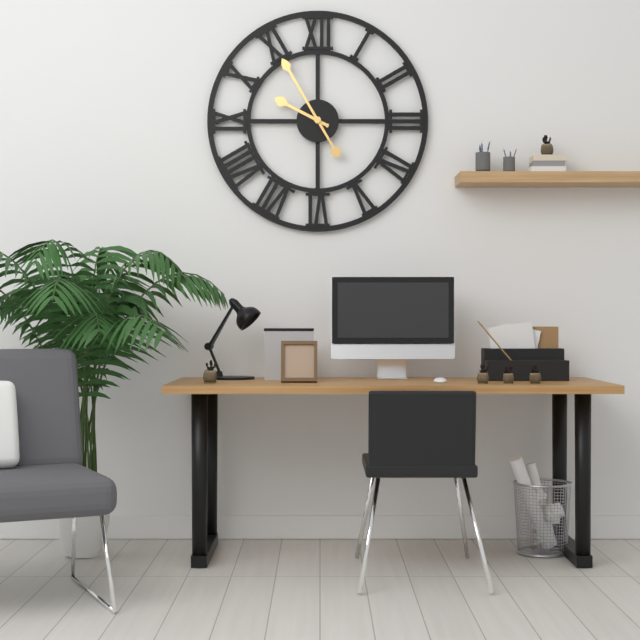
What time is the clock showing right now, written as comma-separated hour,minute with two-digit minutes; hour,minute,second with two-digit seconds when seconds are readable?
9,55
